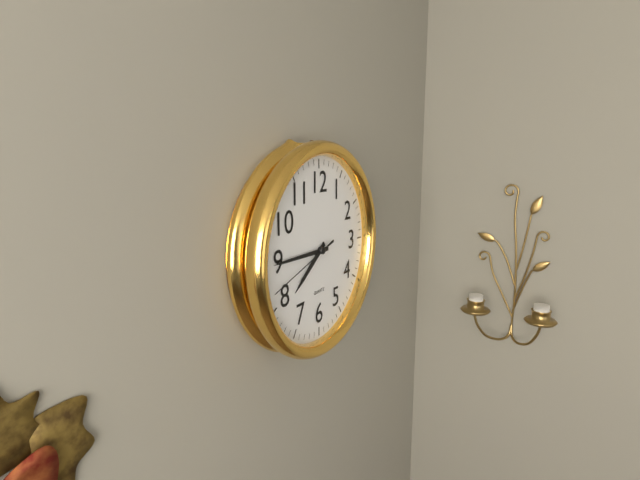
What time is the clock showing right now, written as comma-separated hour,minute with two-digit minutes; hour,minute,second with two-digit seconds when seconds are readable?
7,45,42
